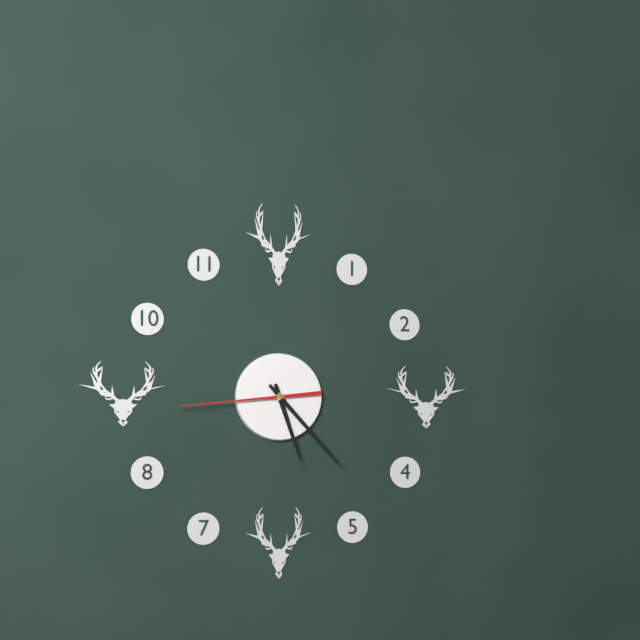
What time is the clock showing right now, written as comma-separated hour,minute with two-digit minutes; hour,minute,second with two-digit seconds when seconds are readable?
5,23,44
